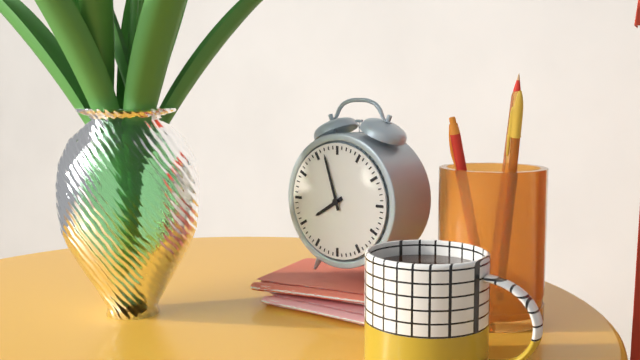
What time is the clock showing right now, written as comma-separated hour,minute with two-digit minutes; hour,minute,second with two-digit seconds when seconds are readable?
7,57
